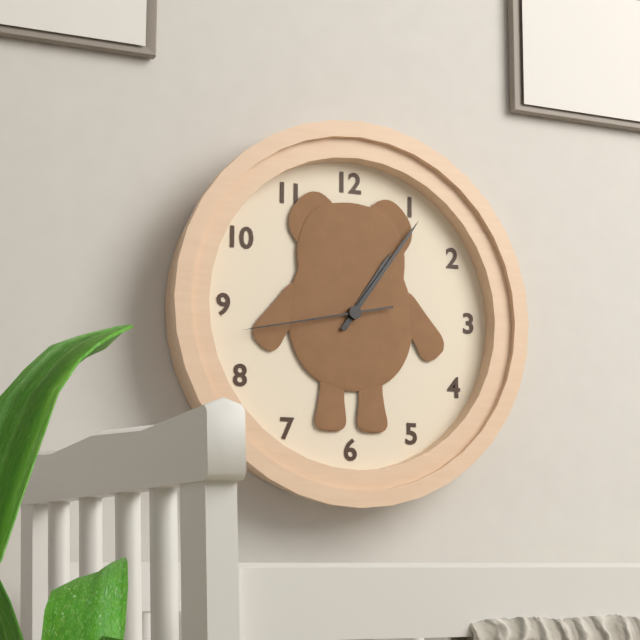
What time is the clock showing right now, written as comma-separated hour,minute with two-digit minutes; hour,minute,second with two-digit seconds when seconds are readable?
1,06,43
